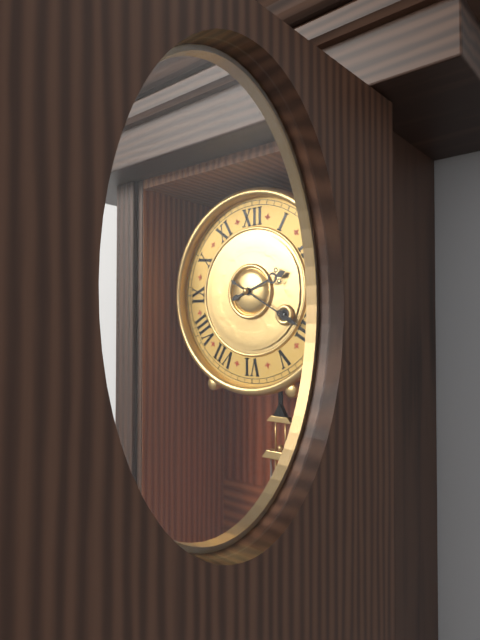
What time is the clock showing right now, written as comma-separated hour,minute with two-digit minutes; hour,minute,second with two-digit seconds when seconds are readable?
2,20
